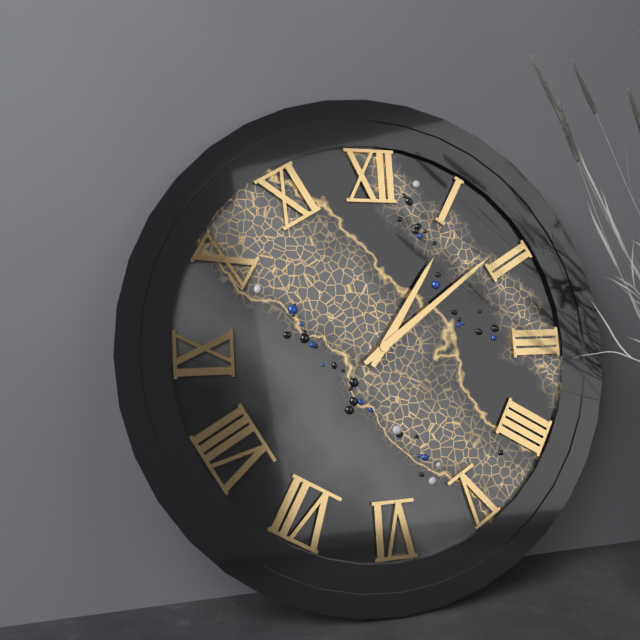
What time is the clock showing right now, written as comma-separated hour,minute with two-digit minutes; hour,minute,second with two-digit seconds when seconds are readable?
1,09
